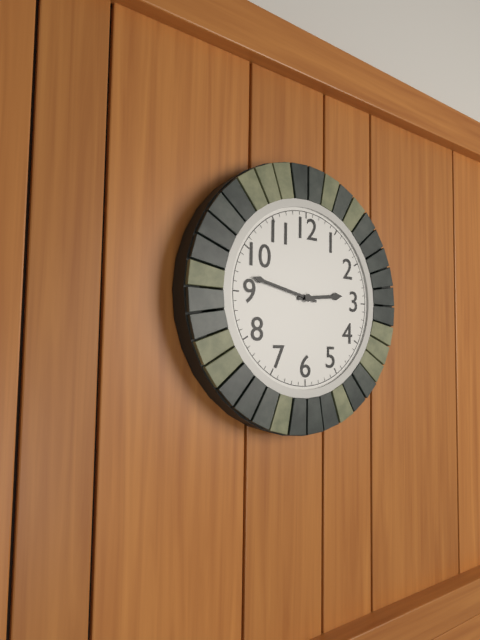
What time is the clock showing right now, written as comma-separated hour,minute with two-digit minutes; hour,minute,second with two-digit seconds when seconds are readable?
2,47
